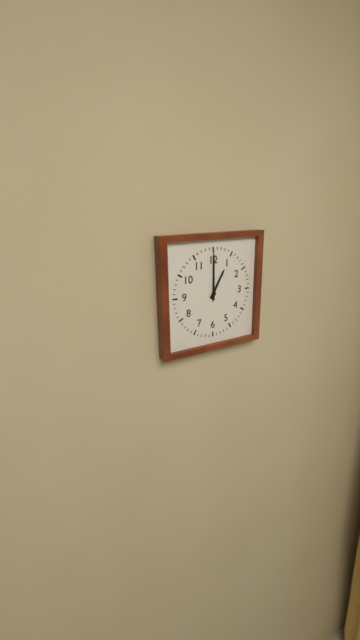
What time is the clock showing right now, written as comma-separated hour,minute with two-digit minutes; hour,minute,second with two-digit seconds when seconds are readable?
1,00
